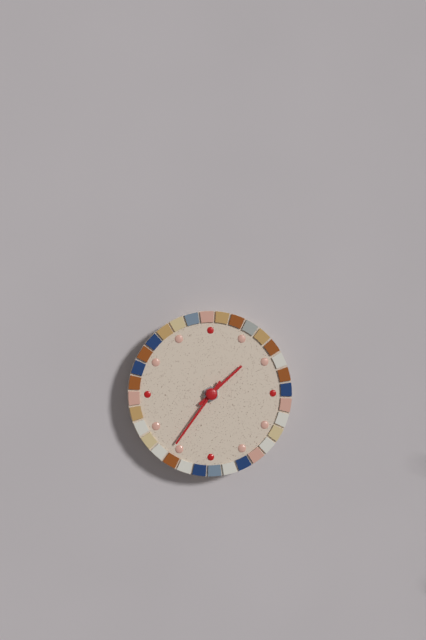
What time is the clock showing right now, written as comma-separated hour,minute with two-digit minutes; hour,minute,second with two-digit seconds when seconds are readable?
1,36
